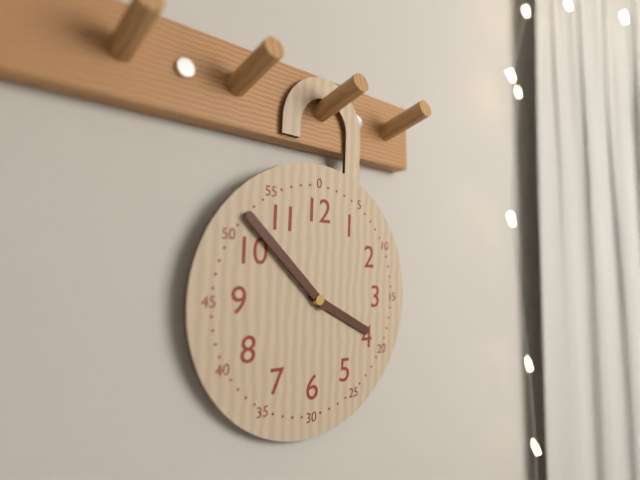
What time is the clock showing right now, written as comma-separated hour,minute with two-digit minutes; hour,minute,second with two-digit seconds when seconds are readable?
3,52
